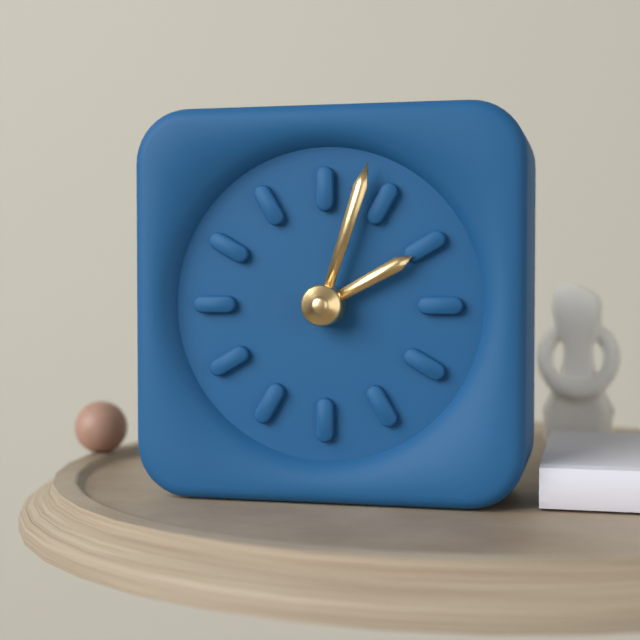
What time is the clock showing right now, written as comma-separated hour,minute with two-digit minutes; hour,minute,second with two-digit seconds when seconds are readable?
2,03
